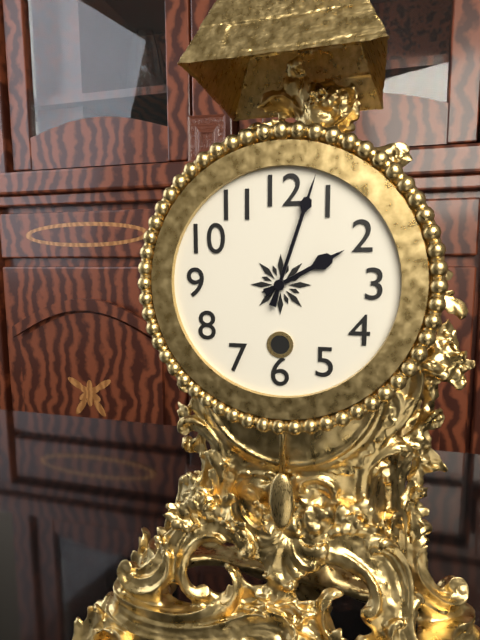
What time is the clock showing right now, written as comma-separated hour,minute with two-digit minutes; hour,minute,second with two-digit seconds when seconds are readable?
2,03
